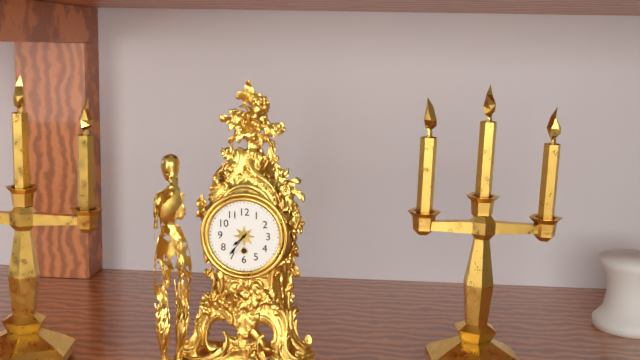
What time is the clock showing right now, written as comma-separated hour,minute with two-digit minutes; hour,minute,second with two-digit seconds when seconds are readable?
7,36
